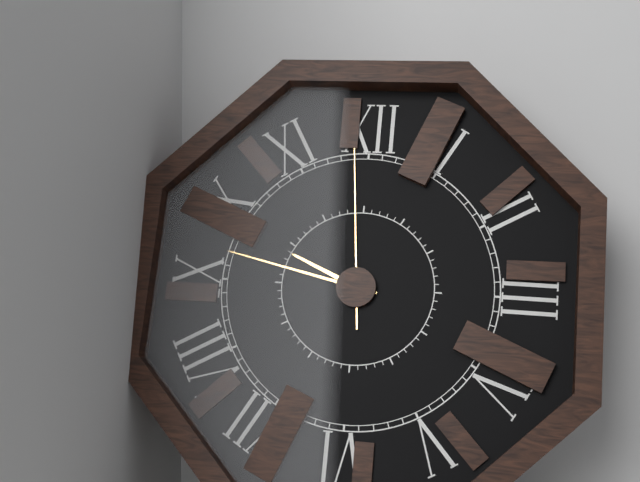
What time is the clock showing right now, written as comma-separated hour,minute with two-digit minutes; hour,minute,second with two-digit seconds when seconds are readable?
9,47,59
